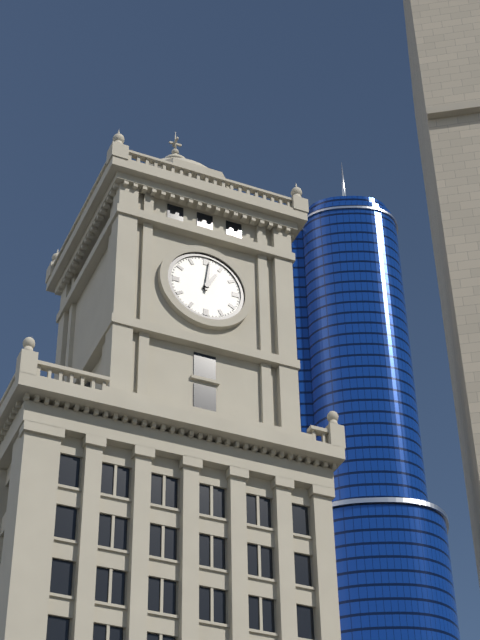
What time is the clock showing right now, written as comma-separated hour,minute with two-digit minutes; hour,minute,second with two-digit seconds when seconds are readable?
1,01
